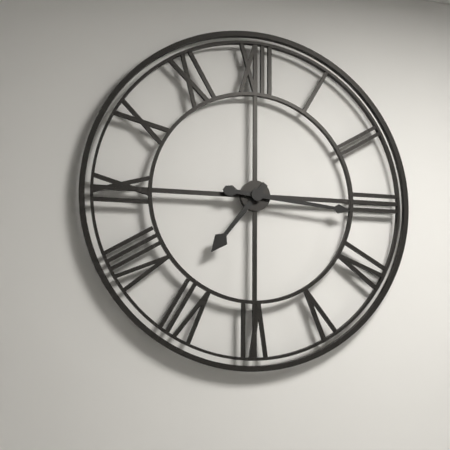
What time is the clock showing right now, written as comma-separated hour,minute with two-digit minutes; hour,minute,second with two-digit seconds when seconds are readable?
7,16
